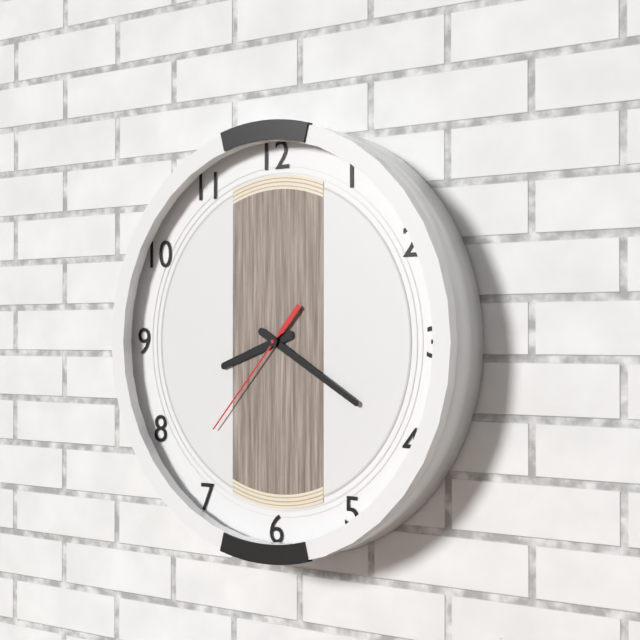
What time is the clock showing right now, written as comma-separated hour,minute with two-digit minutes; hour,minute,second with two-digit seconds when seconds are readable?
8,20,37
